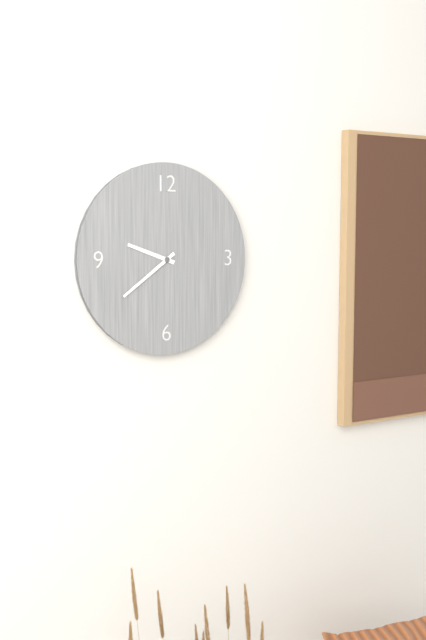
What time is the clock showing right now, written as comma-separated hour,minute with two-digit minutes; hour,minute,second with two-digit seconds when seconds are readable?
9,39
